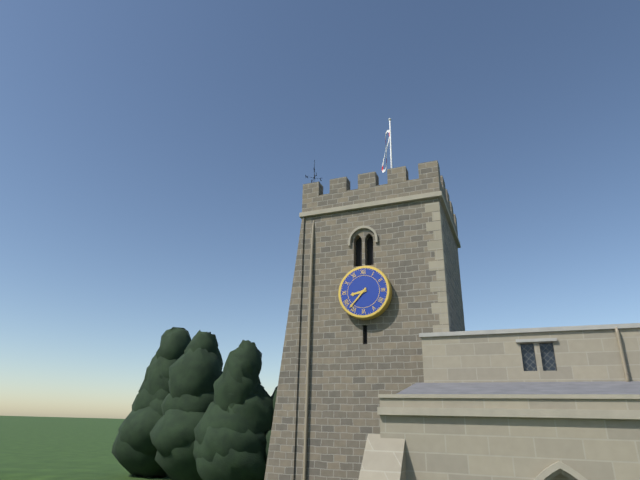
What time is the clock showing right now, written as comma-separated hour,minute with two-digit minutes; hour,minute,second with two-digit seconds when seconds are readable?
8,37
